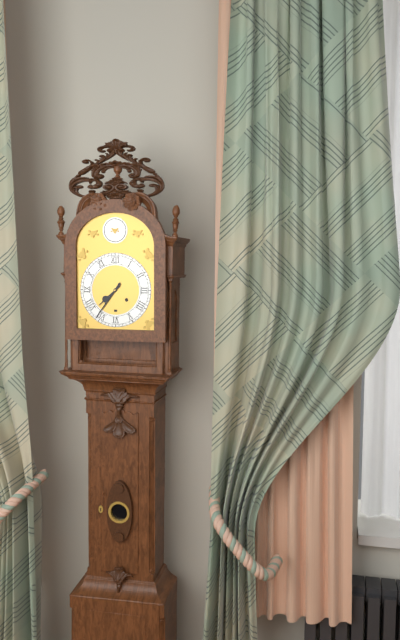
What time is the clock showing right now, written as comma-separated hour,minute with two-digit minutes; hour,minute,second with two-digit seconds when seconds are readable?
7,36
